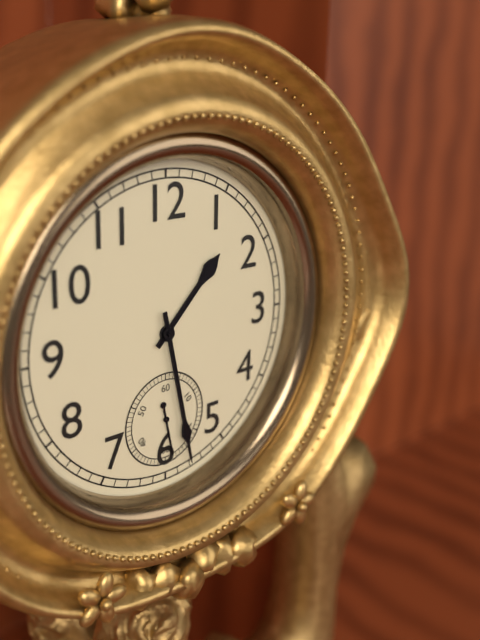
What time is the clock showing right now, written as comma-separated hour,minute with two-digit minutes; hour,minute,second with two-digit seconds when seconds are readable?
1,28,28
